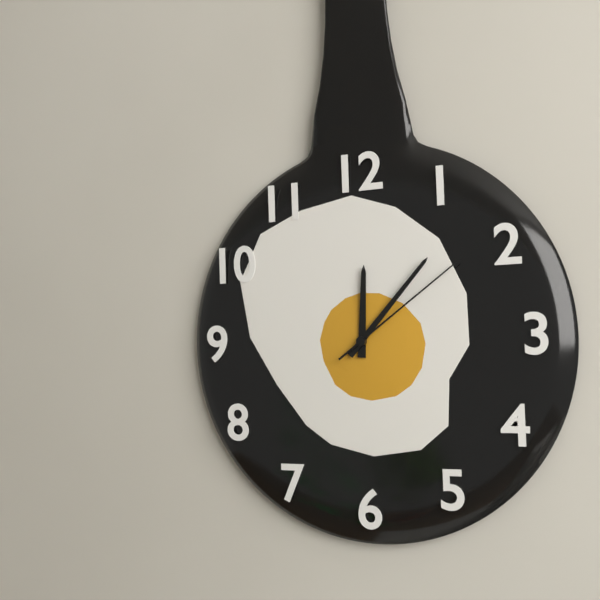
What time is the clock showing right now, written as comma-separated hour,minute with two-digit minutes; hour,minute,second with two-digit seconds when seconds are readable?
12,07,09
